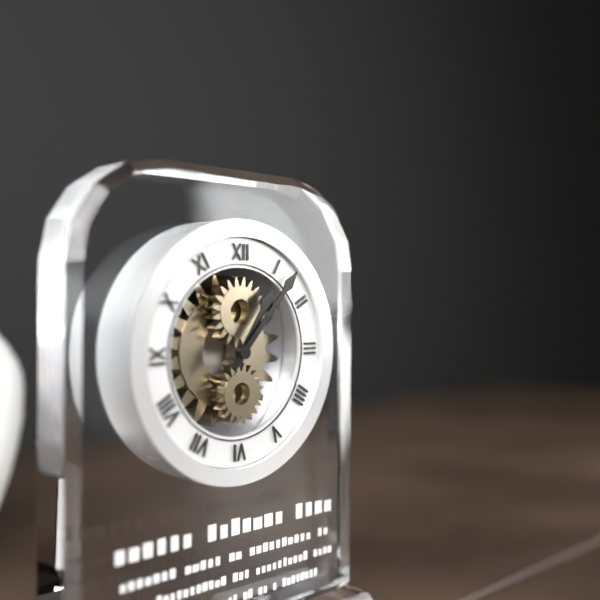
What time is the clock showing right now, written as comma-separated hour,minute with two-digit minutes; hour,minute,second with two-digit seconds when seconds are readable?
1,07
